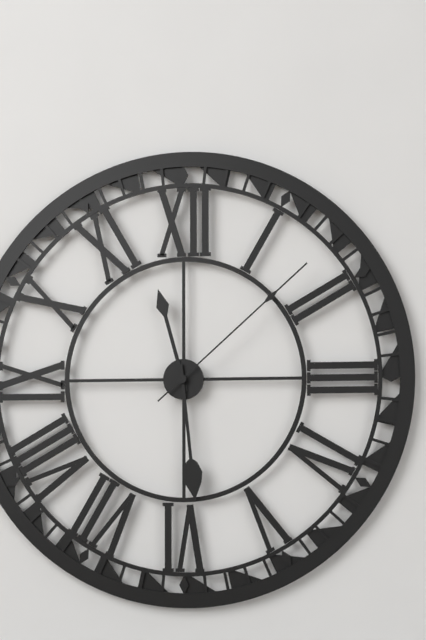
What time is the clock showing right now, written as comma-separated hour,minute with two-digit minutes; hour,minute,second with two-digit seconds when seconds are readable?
11,29,08
